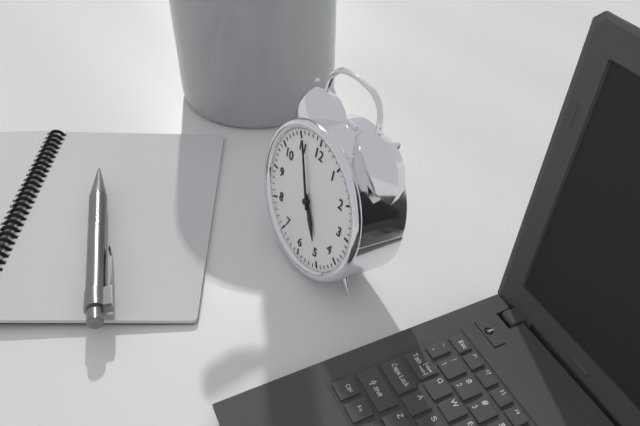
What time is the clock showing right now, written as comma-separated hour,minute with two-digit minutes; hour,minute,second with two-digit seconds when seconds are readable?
4,56
